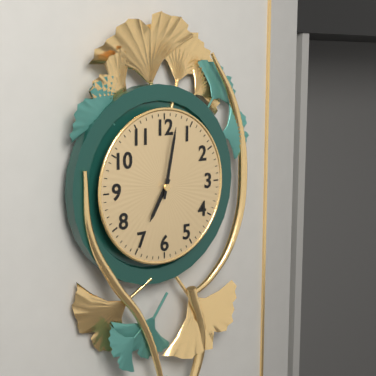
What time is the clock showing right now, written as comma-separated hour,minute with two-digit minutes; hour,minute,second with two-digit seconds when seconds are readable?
7,02
